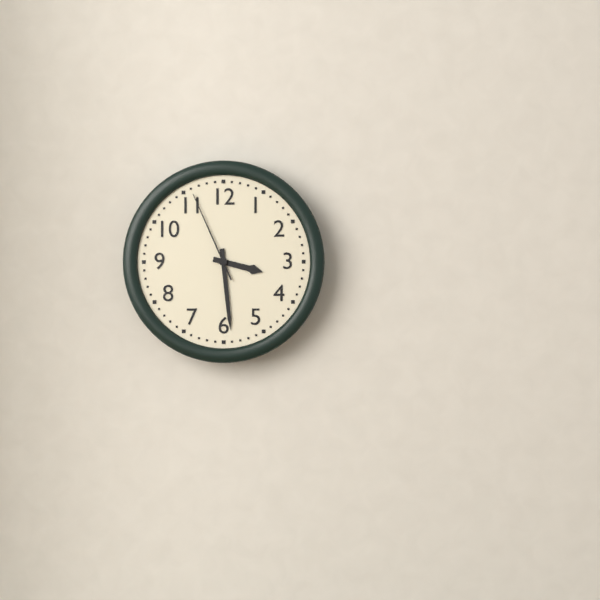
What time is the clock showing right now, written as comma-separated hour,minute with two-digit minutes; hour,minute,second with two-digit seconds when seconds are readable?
3,29,56
